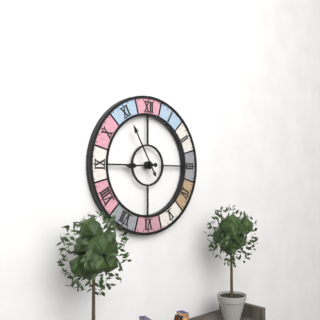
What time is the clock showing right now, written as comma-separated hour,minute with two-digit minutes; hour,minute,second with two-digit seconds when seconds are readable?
8,55
